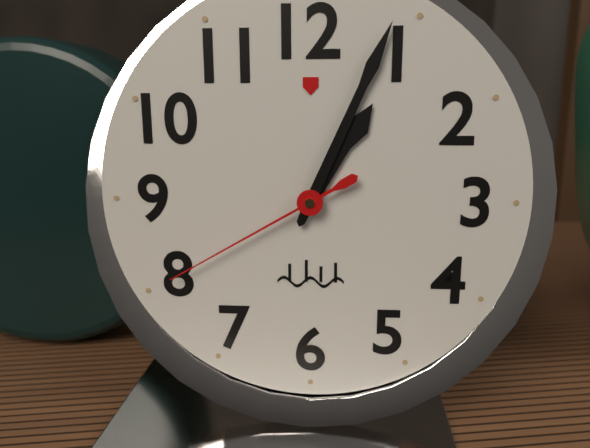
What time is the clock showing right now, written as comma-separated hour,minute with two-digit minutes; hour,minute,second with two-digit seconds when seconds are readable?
1,04,40
